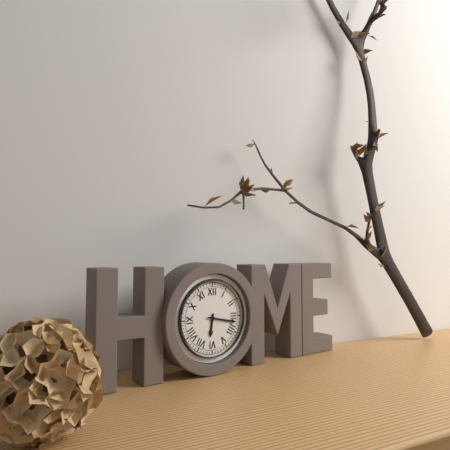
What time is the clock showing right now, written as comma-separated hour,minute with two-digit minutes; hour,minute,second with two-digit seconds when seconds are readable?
6,17
